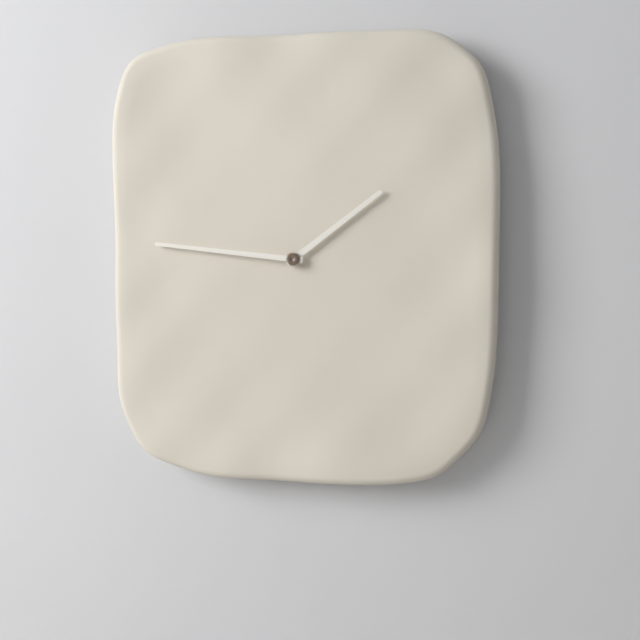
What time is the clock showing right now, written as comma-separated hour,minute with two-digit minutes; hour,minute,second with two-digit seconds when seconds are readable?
1,46
